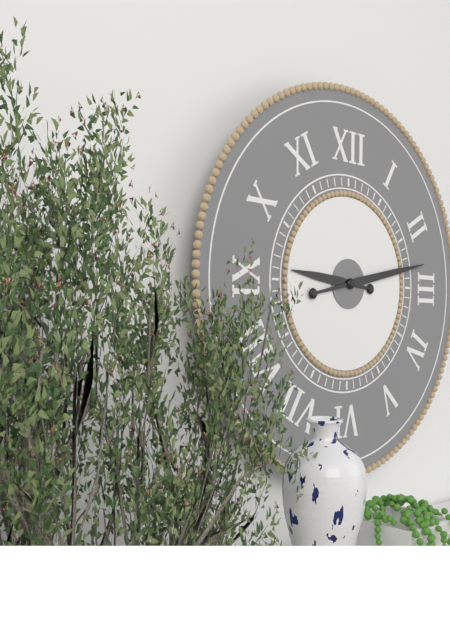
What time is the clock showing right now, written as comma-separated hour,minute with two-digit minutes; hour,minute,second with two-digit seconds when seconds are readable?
9,13
